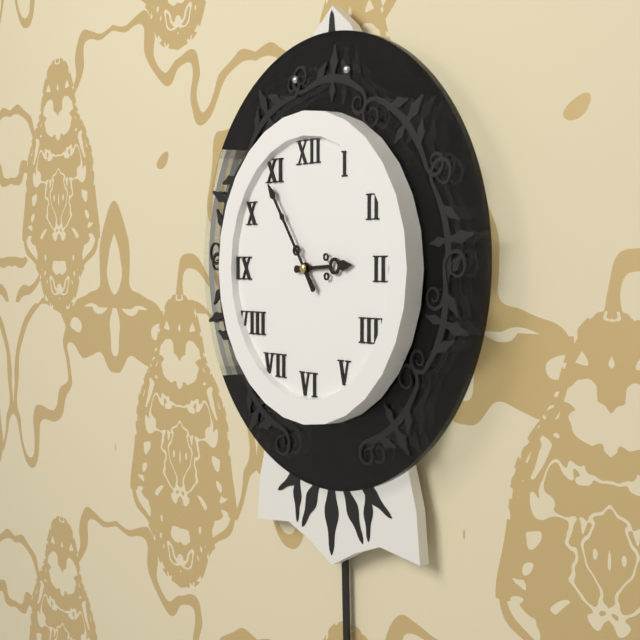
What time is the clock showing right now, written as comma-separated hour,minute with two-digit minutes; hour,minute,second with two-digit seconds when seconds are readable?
2,54
